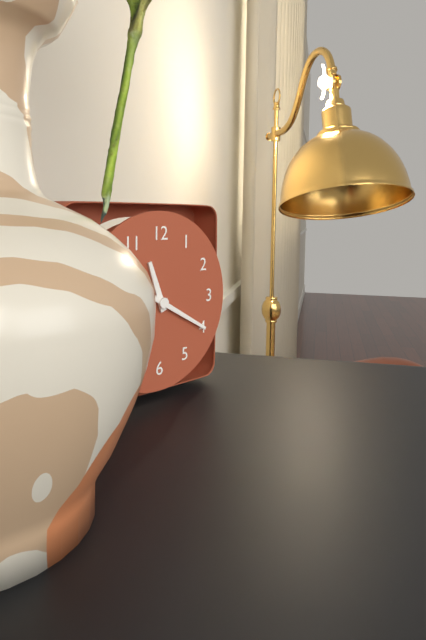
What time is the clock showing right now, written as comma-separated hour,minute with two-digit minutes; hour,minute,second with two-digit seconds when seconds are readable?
11,20
